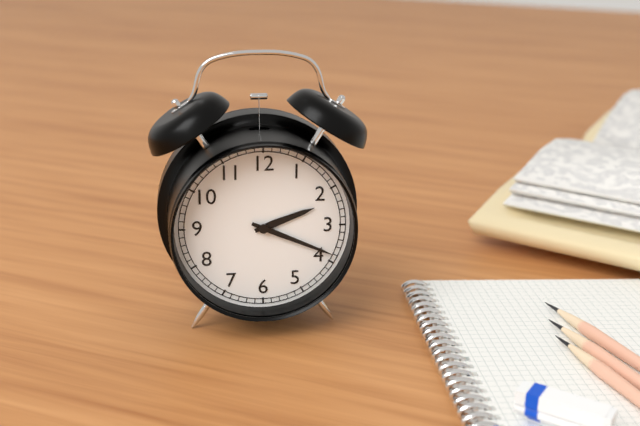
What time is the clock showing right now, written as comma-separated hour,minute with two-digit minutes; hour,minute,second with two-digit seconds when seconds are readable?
2,19
